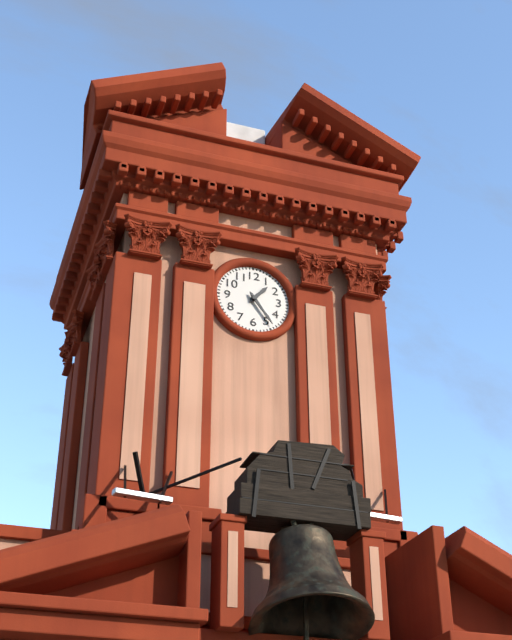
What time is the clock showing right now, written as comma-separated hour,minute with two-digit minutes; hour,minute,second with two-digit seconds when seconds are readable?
1,24
